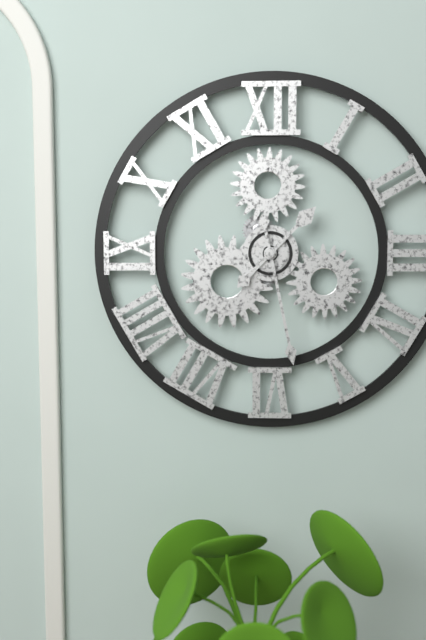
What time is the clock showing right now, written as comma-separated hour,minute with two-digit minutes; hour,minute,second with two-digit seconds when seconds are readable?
1,28
